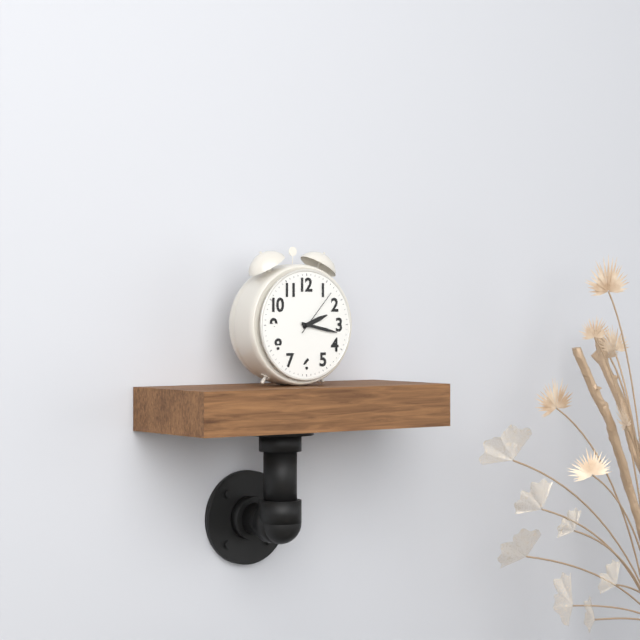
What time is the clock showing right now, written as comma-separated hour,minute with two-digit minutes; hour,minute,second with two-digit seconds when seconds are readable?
2,17,07
